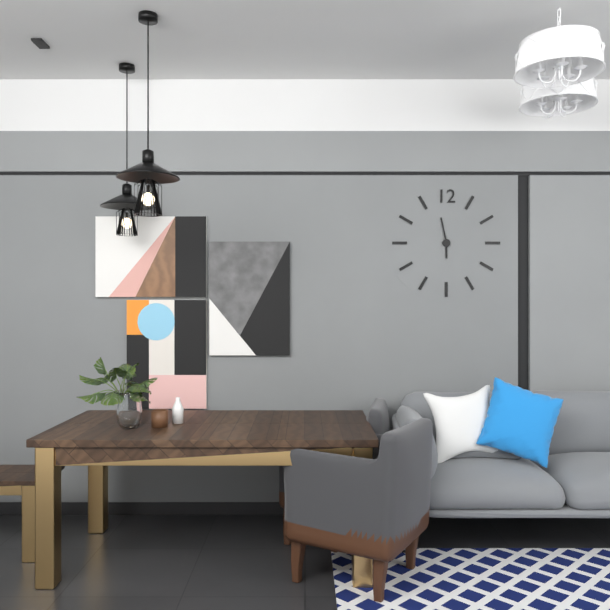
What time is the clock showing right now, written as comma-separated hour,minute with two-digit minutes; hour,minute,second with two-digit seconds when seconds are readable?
5,58
